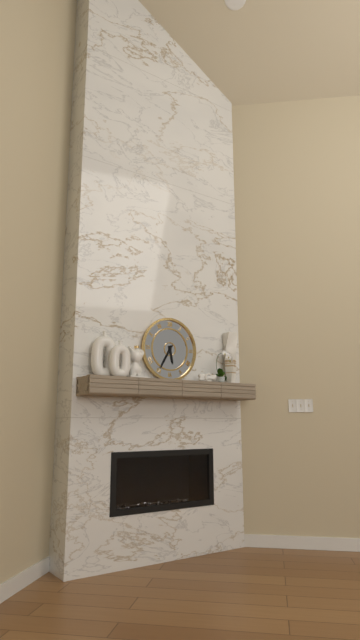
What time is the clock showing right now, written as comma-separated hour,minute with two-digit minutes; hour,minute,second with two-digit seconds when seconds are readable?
5,35
